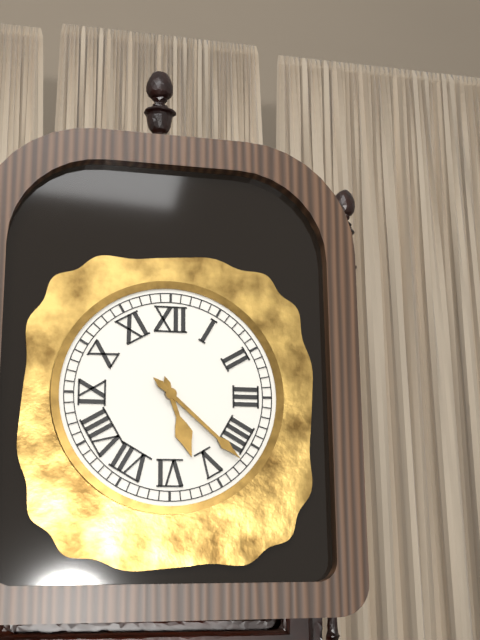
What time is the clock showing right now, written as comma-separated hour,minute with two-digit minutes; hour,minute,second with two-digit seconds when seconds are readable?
5,22
